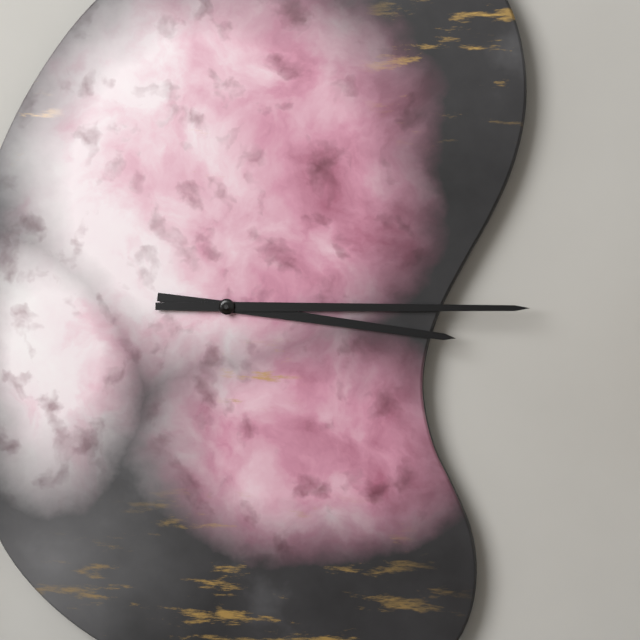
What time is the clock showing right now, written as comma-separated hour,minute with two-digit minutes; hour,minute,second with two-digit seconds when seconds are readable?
3,15
